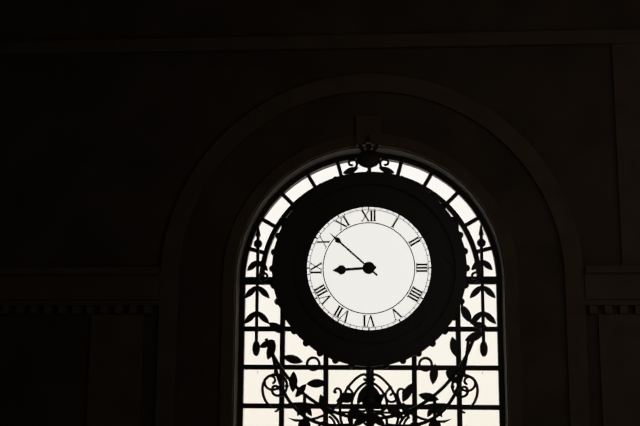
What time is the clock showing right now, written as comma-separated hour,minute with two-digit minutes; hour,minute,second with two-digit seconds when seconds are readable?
8,52
